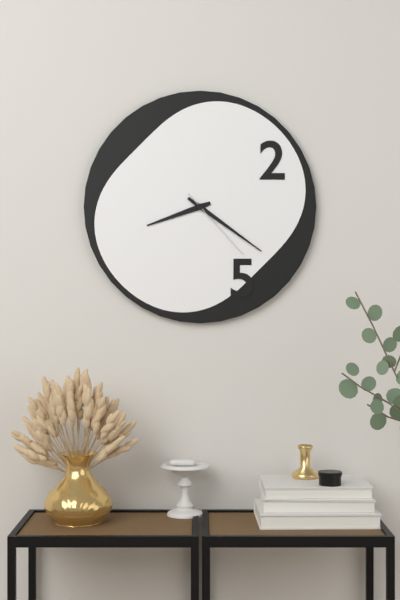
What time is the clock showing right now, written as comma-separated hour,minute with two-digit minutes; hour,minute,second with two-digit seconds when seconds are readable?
8,21,23
